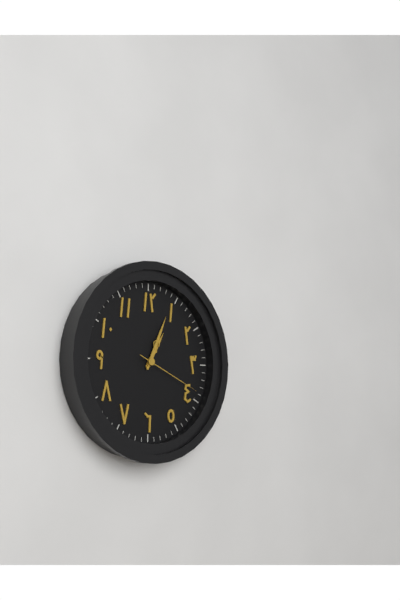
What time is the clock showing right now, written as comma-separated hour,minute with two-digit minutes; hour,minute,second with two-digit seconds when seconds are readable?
1,04,19
